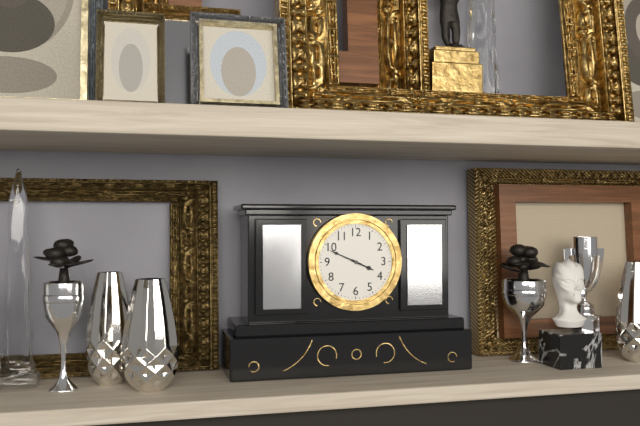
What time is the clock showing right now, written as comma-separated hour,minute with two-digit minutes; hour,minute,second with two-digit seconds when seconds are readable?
3,49
